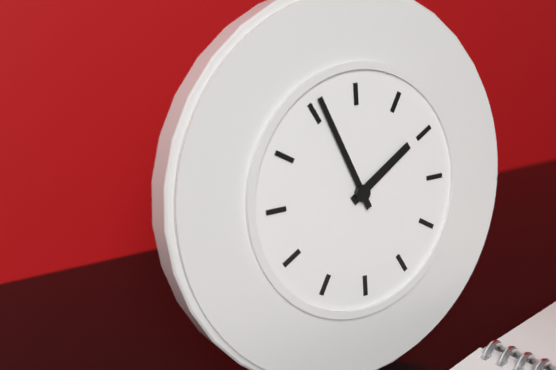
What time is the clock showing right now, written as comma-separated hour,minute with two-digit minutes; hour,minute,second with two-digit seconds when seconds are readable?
1,56
